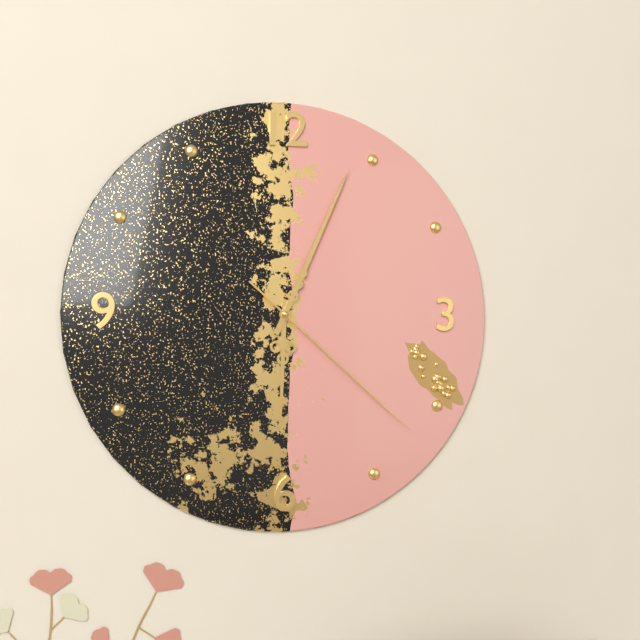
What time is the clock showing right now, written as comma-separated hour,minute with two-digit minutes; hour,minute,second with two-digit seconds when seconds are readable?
6,04,22
